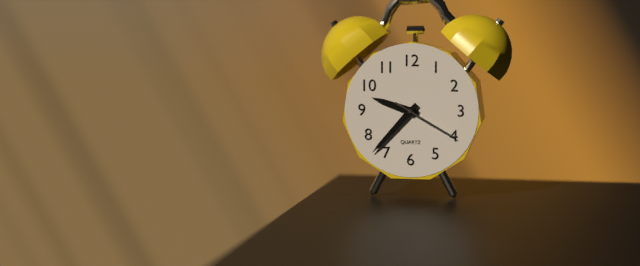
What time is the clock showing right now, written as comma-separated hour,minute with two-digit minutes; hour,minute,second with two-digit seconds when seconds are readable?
9,37,20
